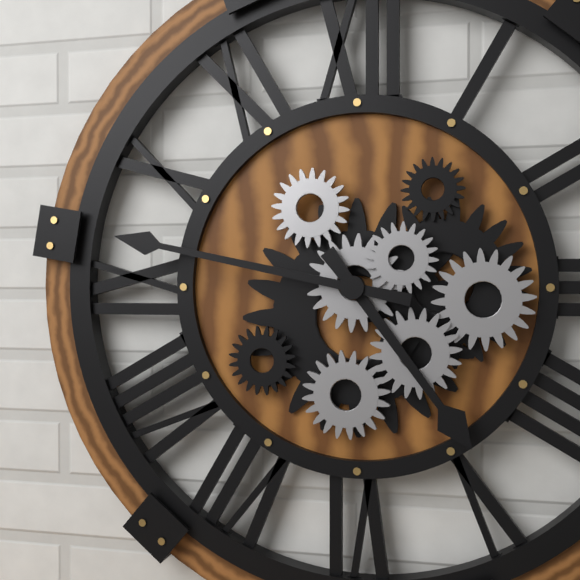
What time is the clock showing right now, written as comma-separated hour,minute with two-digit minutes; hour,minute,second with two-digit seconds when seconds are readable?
4,47
